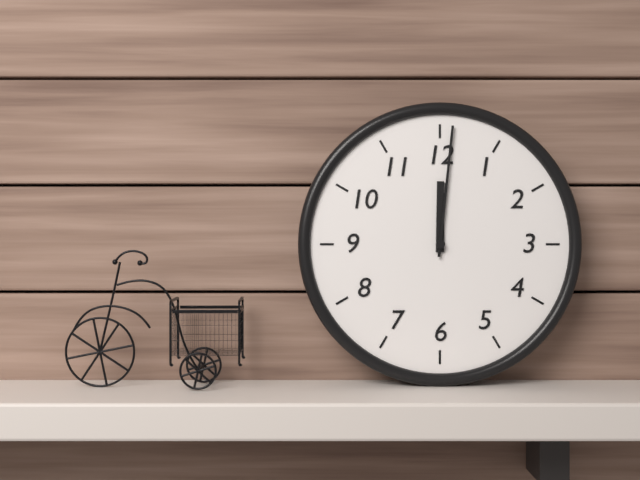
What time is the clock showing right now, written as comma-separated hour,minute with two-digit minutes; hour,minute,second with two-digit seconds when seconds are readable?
12,01
